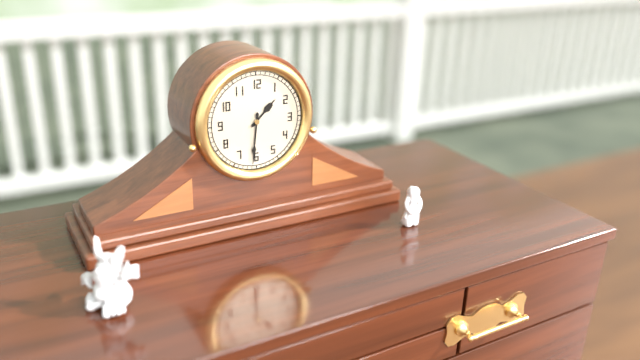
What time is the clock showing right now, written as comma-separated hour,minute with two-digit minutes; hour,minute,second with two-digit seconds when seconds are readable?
1,31
